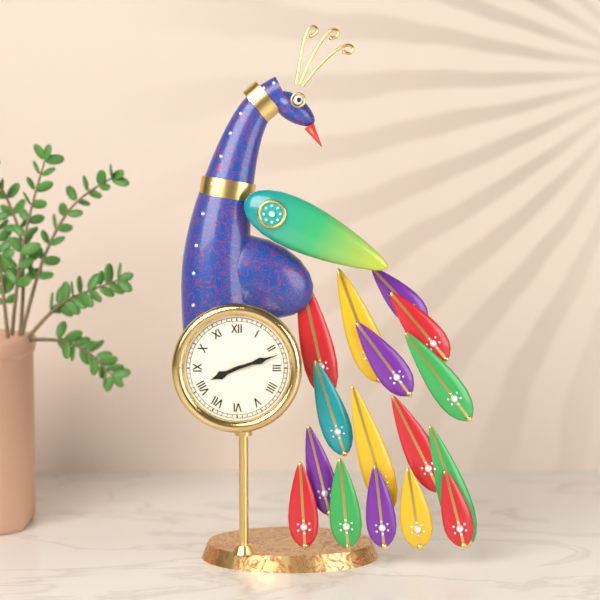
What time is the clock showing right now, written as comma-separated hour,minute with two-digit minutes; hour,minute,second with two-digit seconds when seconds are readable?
8,12
